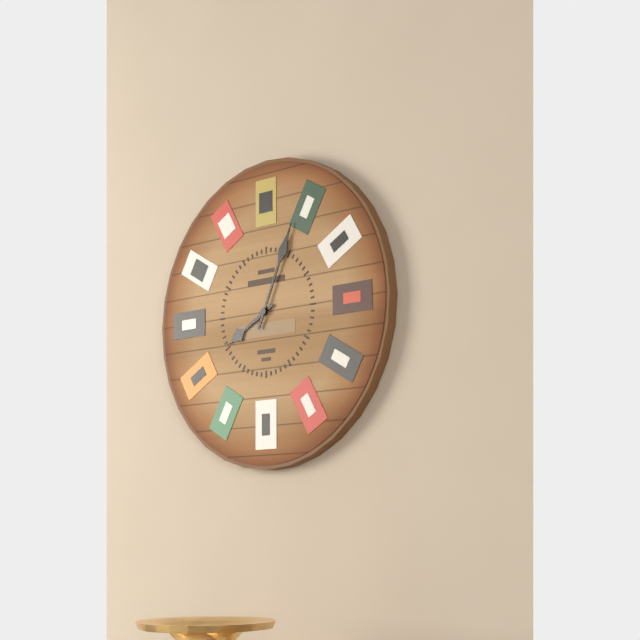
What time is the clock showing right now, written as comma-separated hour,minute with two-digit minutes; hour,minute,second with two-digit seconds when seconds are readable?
8,04
